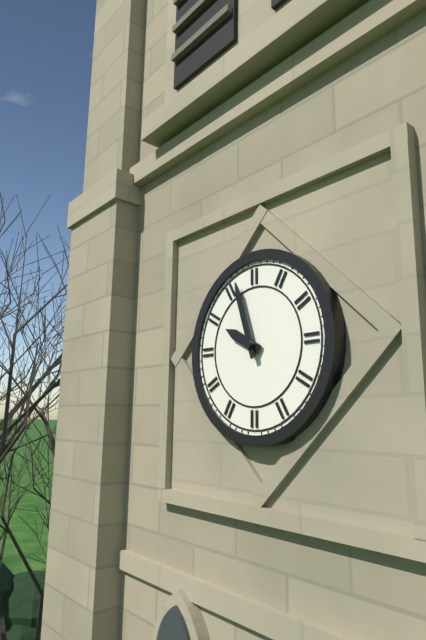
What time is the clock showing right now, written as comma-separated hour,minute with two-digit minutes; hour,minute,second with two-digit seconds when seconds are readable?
9,57
